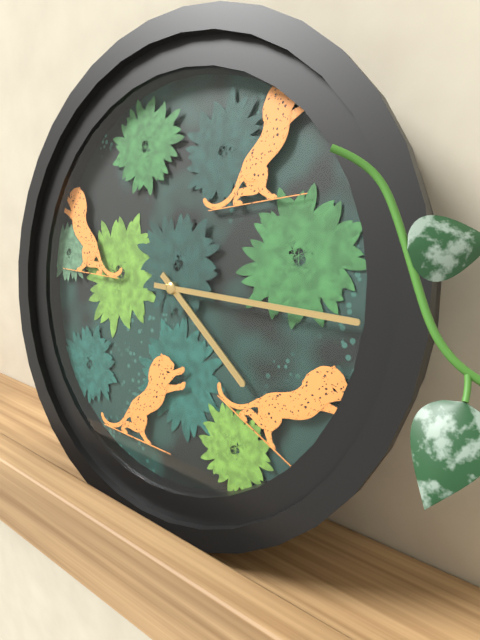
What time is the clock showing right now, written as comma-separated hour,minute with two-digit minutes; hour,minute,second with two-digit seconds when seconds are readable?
4,15
